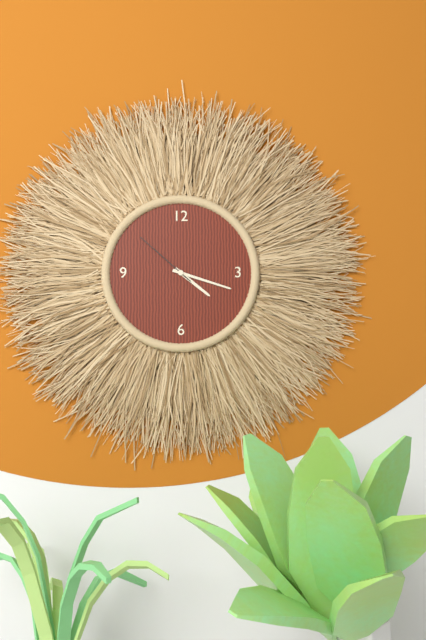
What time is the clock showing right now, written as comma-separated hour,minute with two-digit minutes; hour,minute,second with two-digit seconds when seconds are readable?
4,18,52
